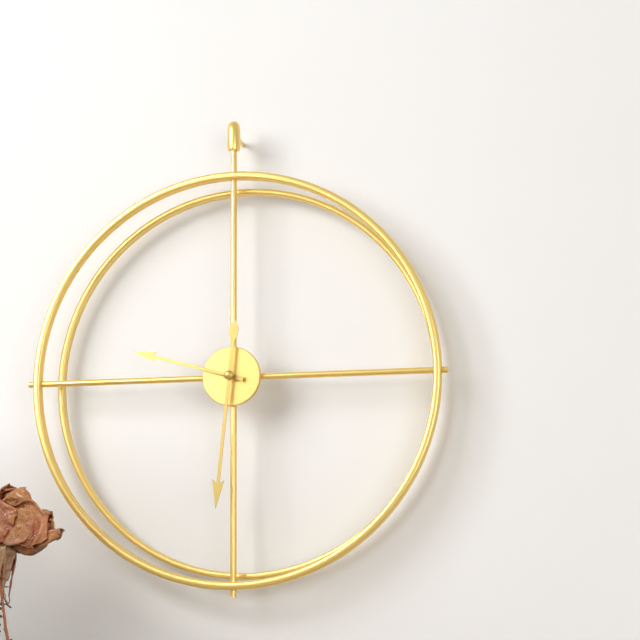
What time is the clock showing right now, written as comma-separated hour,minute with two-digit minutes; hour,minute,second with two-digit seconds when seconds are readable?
9,31
